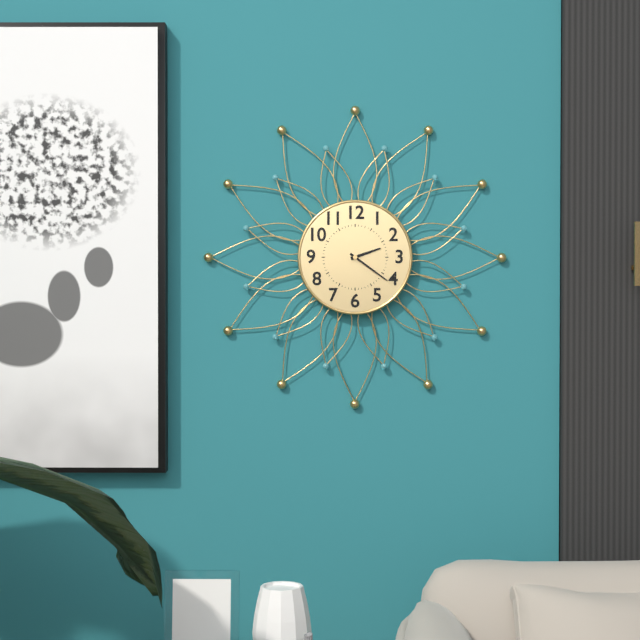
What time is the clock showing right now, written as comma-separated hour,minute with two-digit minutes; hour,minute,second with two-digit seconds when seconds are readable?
2,21
